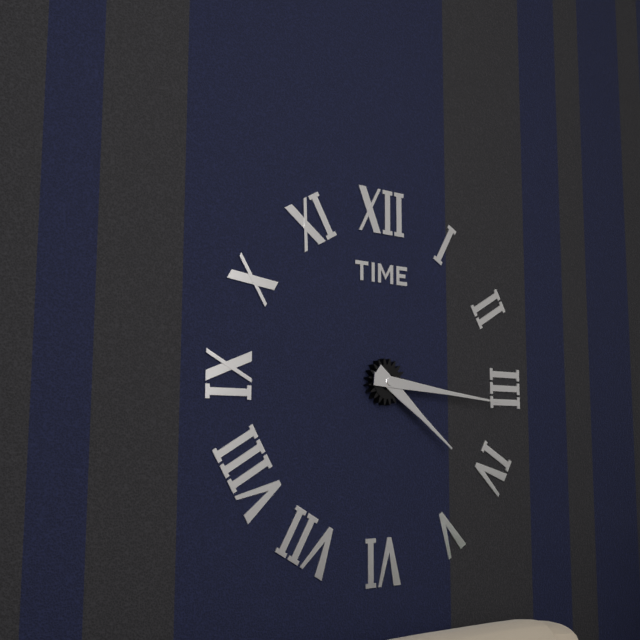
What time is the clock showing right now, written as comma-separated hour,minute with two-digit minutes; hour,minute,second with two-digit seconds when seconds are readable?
4,16
